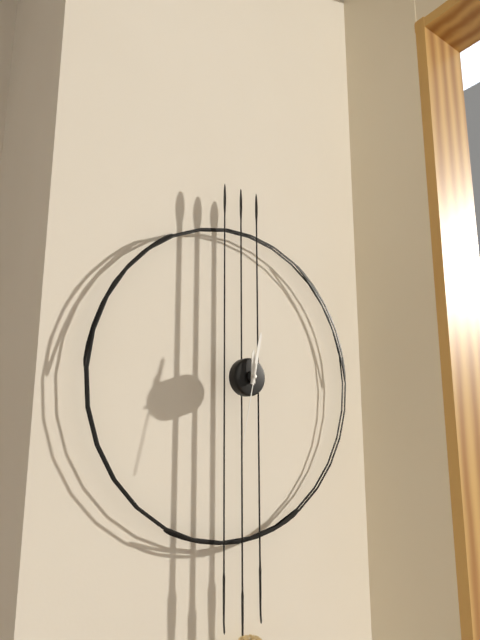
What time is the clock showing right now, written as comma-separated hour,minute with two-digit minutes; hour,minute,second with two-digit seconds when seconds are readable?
12,02,32
